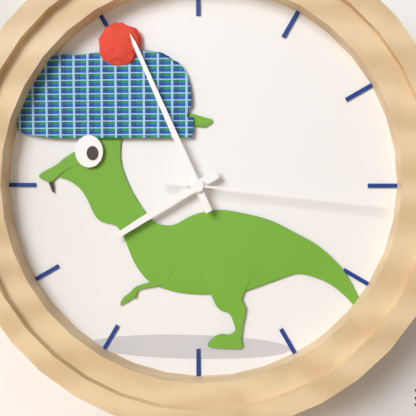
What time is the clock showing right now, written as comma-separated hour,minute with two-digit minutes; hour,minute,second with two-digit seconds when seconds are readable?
7,56,16
